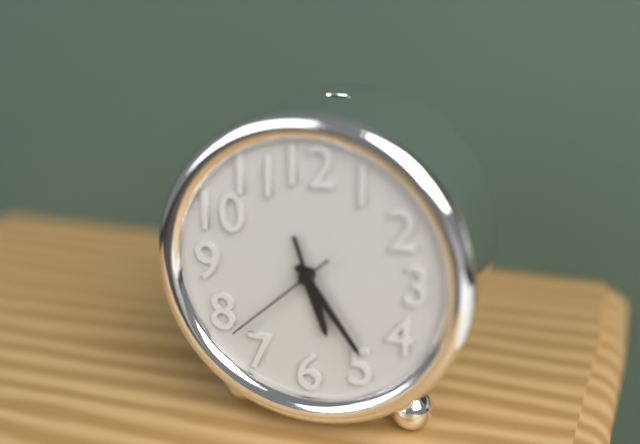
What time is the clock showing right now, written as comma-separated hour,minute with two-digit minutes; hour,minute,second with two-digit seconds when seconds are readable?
5,24,38
